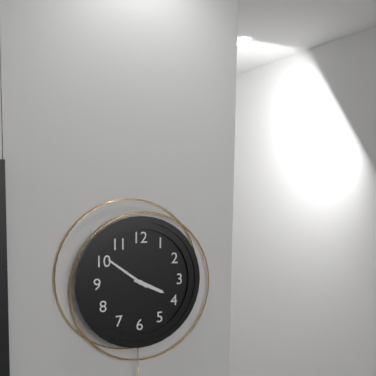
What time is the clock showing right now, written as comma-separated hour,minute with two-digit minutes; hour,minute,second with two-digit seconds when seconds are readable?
3,51
